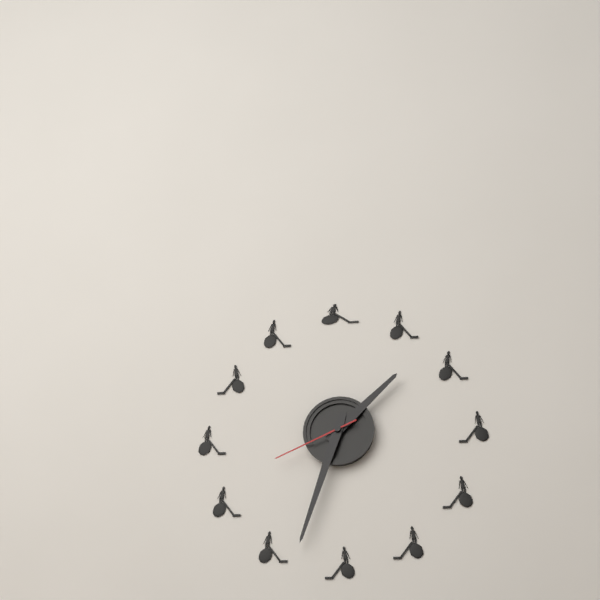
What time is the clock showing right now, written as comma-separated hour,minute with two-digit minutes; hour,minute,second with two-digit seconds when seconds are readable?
1,33,41
